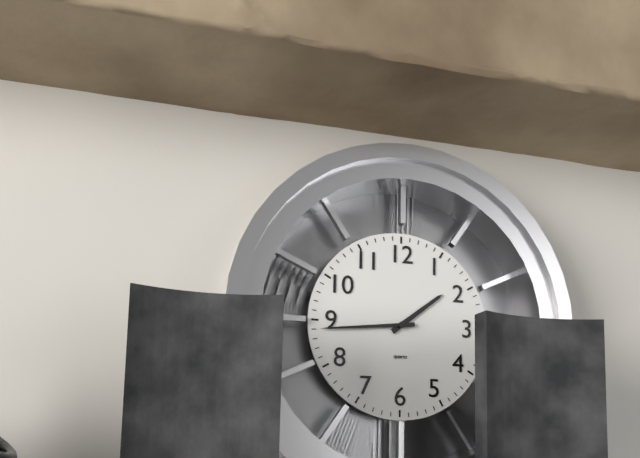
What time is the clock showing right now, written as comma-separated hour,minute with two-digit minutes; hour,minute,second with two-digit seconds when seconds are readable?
1,44
